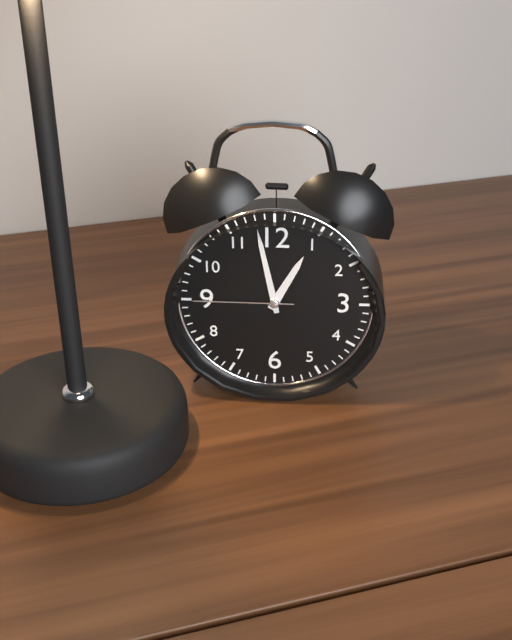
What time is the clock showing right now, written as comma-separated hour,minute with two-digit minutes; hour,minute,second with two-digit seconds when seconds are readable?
12,58,45
